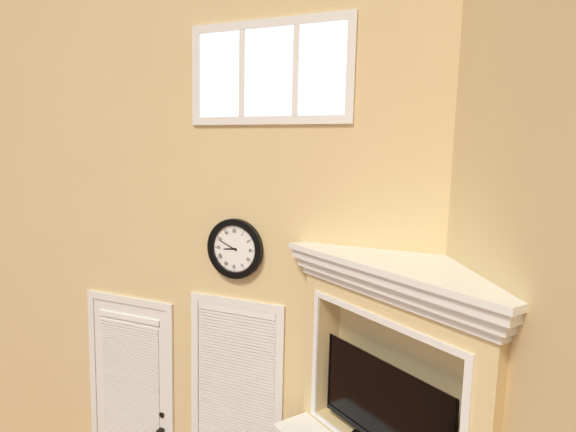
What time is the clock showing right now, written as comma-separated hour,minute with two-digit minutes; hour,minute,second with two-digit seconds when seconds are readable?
8,49
